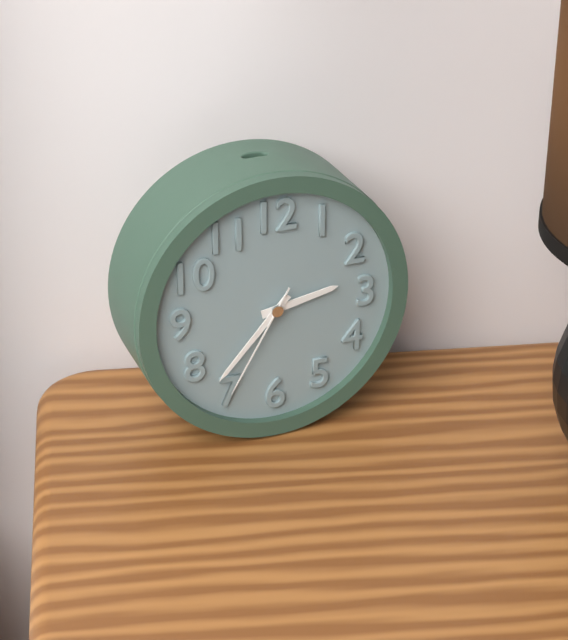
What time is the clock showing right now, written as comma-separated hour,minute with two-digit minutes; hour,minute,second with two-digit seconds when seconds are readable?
2,37,35
